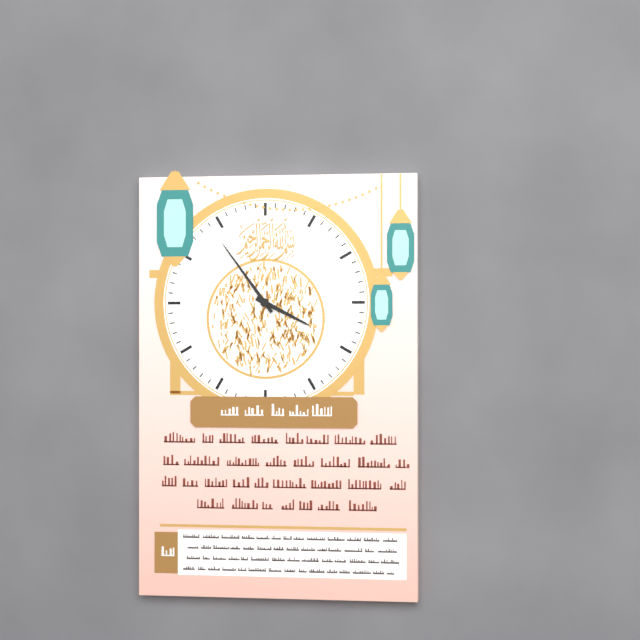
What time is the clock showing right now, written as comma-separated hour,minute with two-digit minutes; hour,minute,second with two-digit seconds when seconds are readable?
3,54
